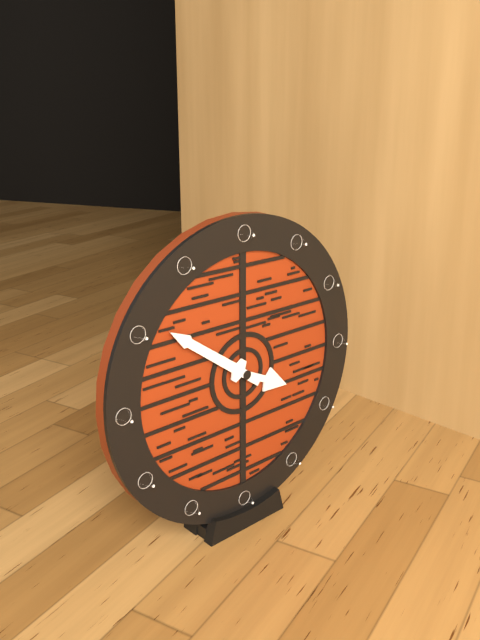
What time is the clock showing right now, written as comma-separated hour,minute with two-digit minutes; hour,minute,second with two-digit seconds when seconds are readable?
3,51
